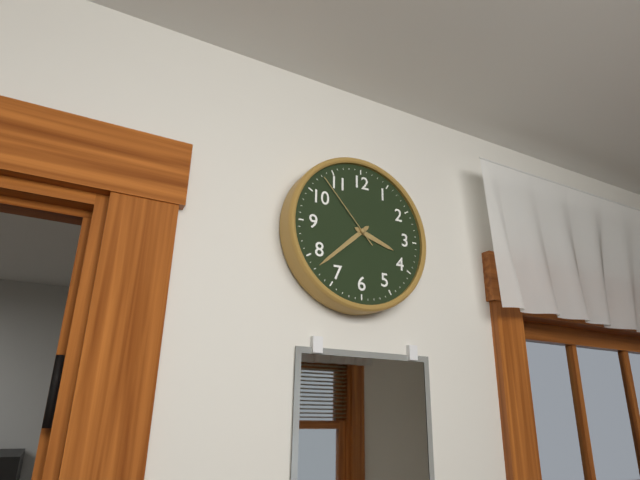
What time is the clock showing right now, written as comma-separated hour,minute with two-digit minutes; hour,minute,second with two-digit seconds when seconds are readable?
3,38,53
